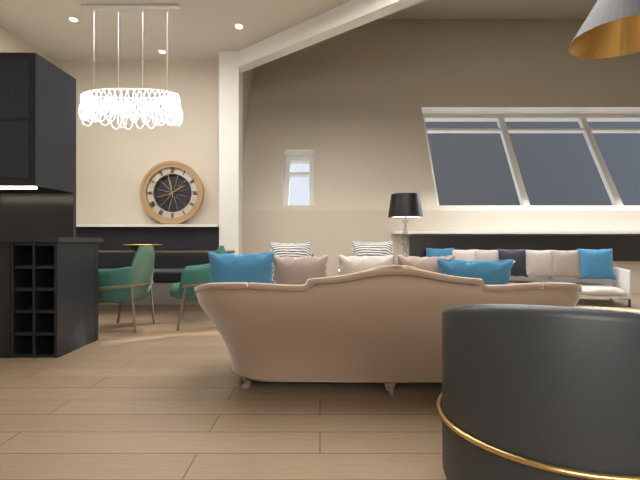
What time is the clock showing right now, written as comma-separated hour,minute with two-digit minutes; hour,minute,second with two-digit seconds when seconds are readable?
1,58
